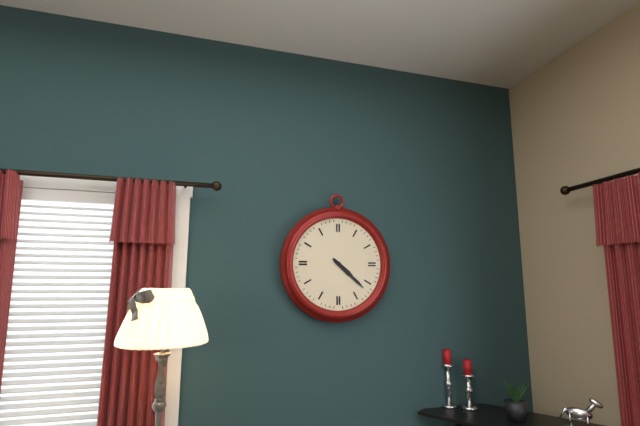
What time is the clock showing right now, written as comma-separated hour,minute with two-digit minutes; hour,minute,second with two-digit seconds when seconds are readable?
4,22
